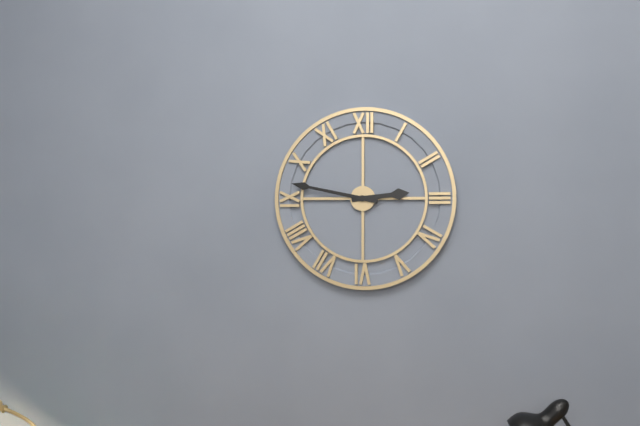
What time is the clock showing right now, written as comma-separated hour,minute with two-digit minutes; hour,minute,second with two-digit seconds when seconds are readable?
2,47
